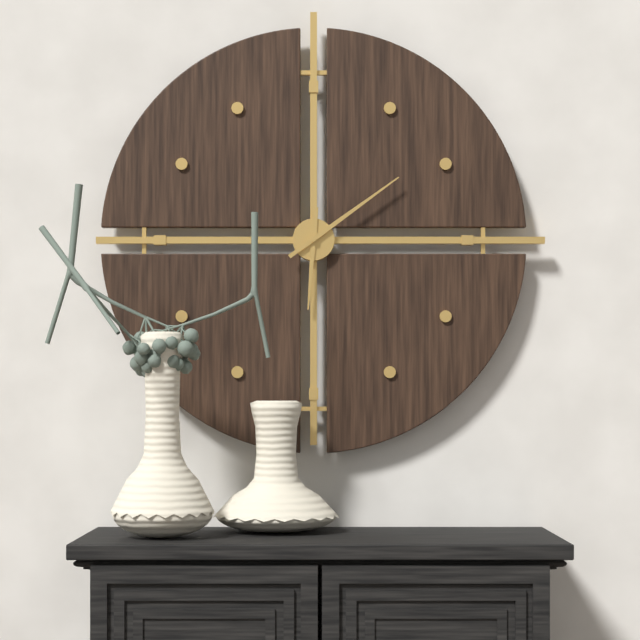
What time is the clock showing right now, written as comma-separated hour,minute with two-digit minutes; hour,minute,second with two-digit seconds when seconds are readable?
6,09
